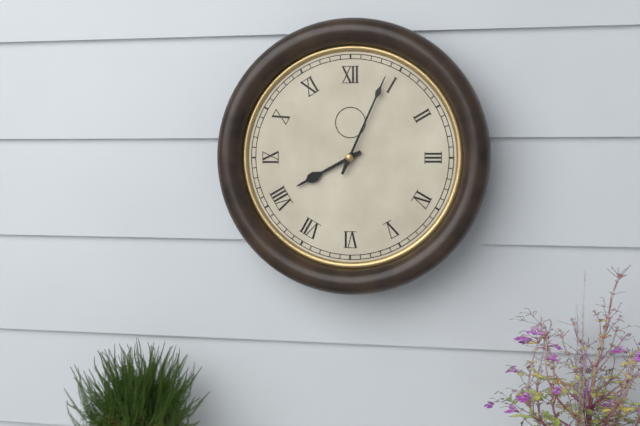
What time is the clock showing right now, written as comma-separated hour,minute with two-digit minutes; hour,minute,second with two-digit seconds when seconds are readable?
8,04
